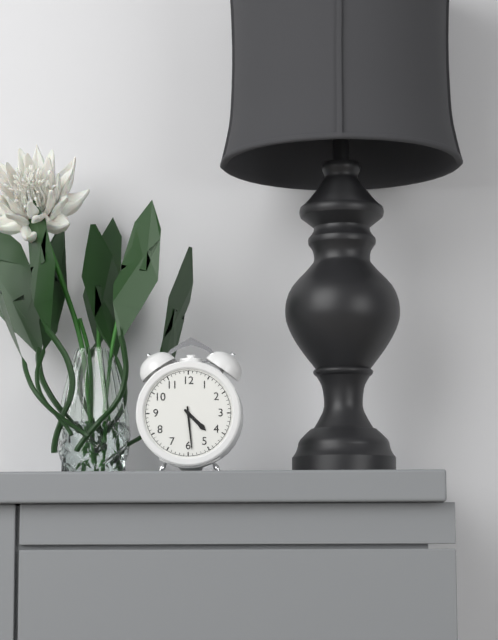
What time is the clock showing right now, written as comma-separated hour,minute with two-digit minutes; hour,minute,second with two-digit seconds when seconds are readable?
4,29
